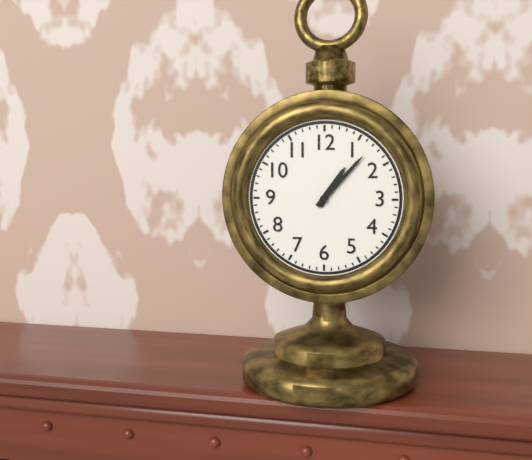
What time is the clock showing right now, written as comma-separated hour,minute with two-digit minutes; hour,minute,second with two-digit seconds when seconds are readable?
1,07
